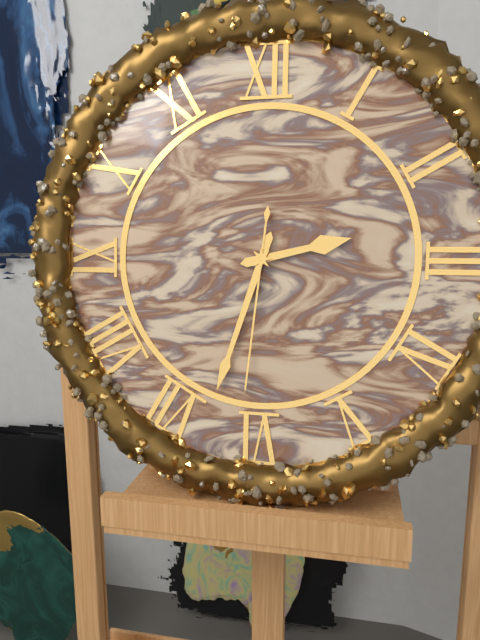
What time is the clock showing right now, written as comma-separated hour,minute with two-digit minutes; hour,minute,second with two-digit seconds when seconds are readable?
2,33,31
